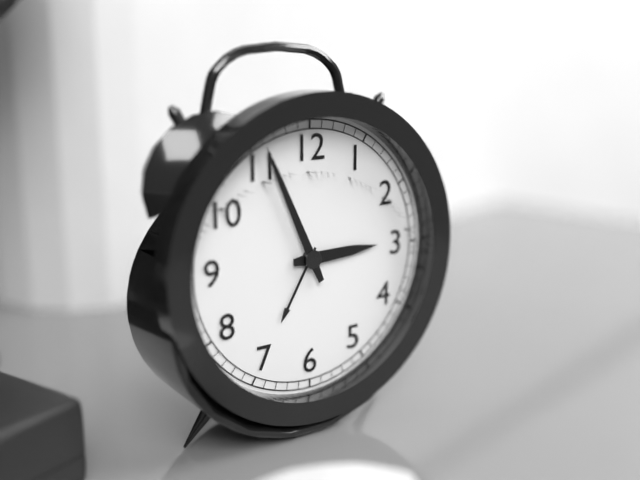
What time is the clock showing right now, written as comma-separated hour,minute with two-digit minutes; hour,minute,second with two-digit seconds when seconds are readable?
2,56
